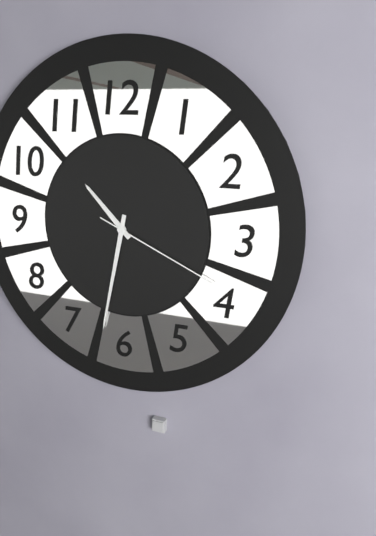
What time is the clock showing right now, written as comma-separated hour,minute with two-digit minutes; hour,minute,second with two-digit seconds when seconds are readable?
10,32,19
